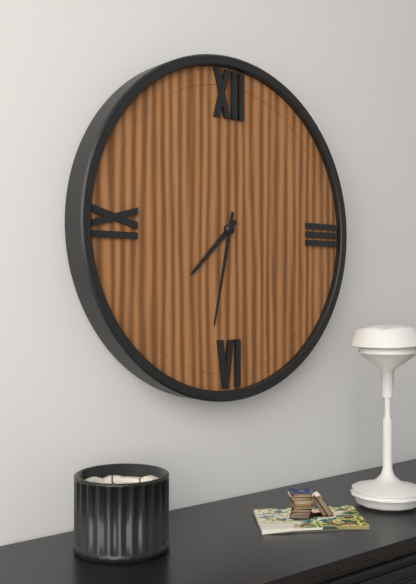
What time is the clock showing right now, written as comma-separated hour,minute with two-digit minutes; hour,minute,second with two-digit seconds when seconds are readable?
7,32
